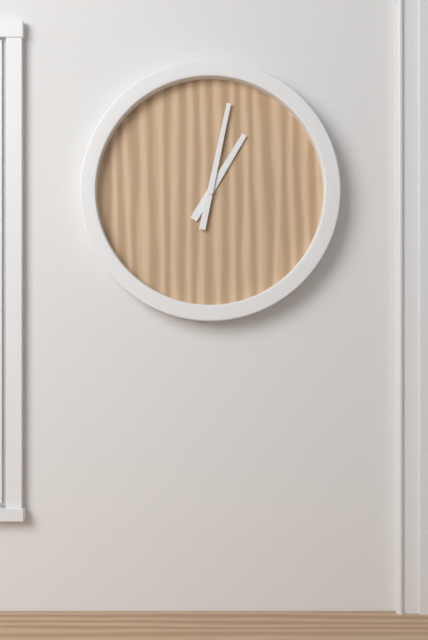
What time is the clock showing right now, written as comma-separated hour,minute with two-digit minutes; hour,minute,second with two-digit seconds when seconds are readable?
1,02
